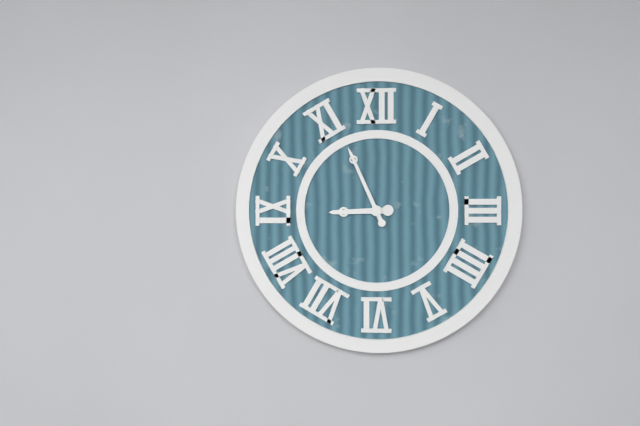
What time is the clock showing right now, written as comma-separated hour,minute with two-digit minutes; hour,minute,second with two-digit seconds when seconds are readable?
8,56
